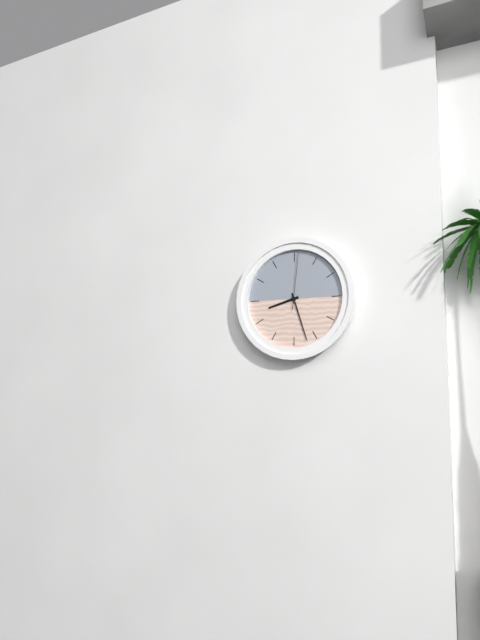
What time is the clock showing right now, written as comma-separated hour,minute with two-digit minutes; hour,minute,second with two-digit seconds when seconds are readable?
8,27,01
